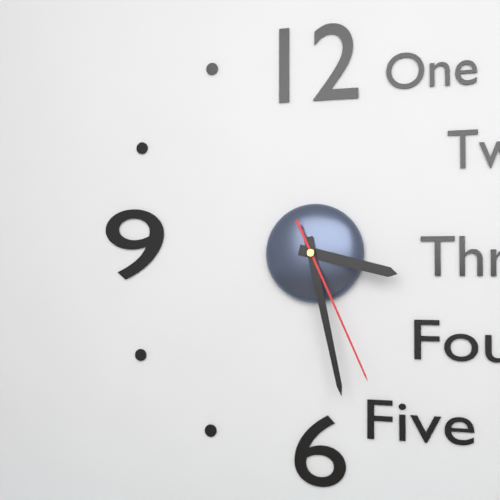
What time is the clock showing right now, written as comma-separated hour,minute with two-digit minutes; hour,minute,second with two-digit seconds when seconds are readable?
3,28,26
